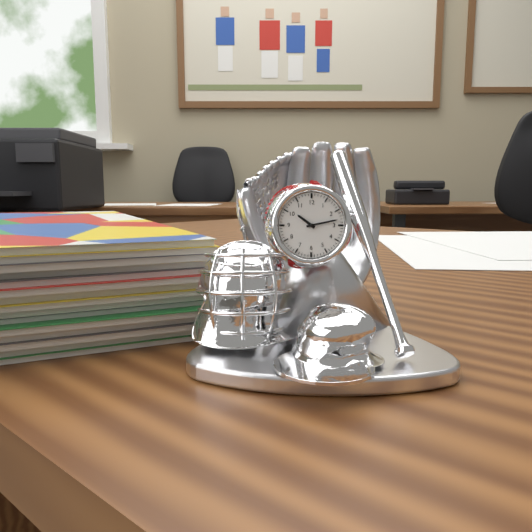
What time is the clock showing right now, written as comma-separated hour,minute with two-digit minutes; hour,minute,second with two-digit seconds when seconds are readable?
10,13
